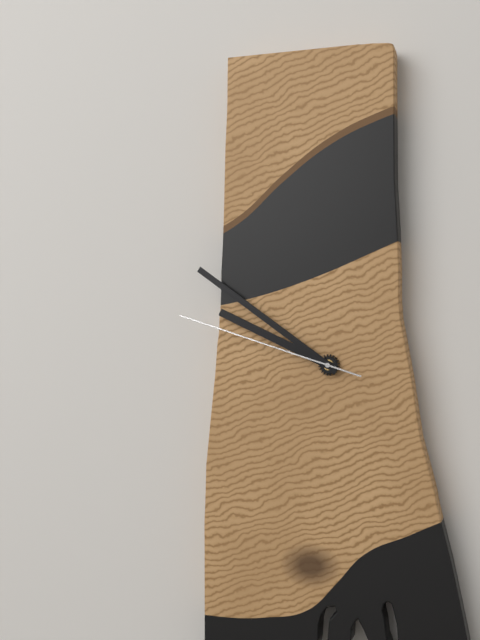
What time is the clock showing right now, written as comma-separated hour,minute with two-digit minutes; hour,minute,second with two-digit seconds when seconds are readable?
9,51,48
